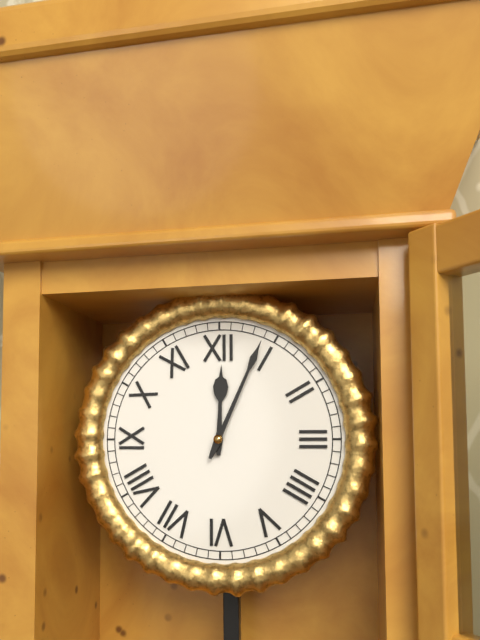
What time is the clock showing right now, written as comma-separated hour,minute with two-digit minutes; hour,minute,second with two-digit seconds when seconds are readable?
12,04
